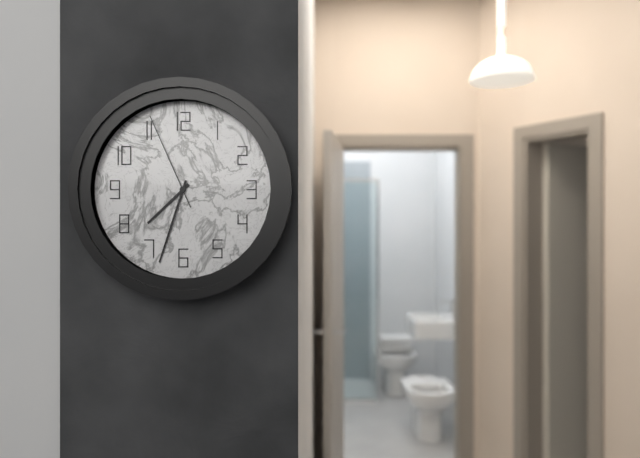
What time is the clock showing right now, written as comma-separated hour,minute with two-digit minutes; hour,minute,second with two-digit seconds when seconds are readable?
7,33,56
